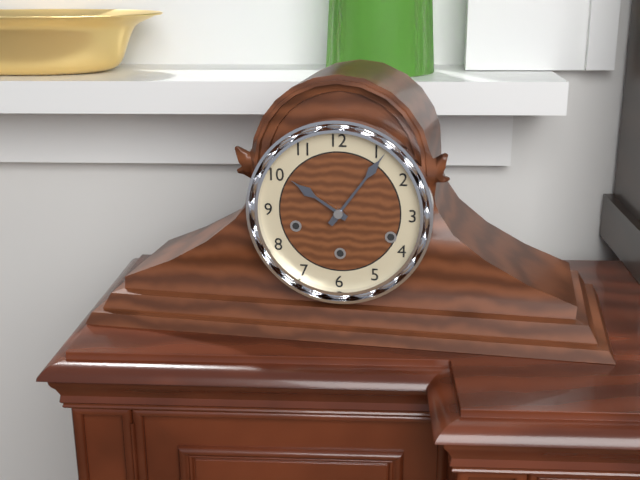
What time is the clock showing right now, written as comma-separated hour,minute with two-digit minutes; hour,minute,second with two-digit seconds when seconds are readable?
10,06
